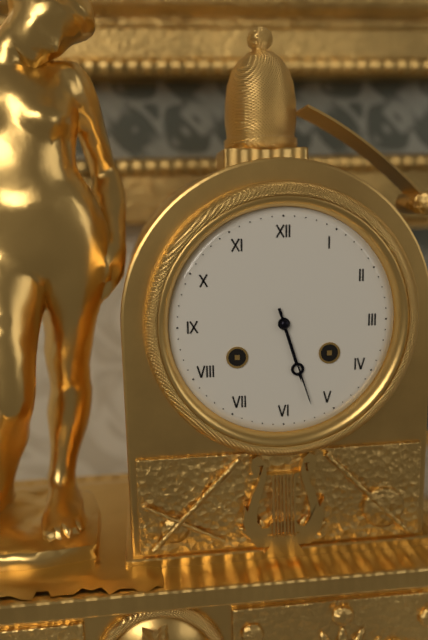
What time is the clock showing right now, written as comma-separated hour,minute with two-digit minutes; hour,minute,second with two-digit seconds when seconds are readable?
5,27
